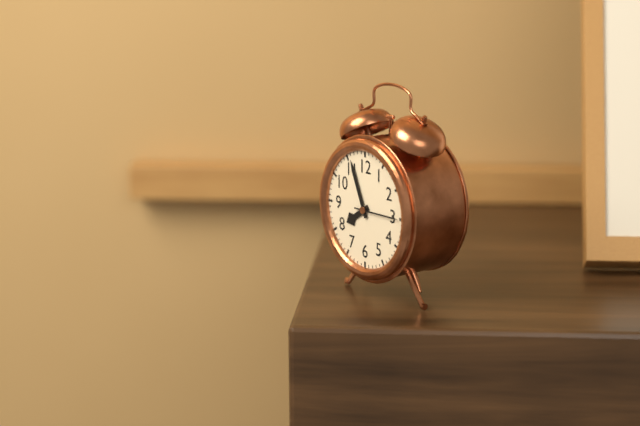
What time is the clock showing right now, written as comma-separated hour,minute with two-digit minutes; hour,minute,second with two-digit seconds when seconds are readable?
7,56
